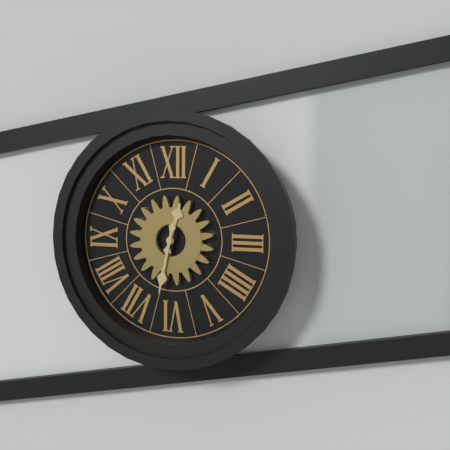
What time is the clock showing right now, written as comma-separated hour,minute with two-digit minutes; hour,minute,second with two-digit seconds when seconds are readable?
12,32
